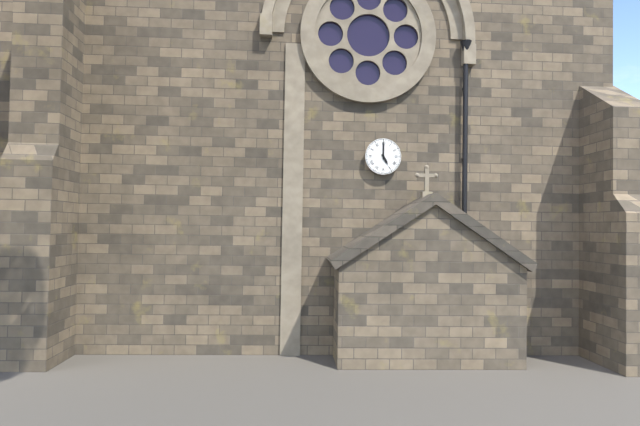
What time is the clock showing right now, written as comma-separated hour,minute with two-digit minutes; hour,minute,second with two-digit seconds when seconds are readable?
5,00
